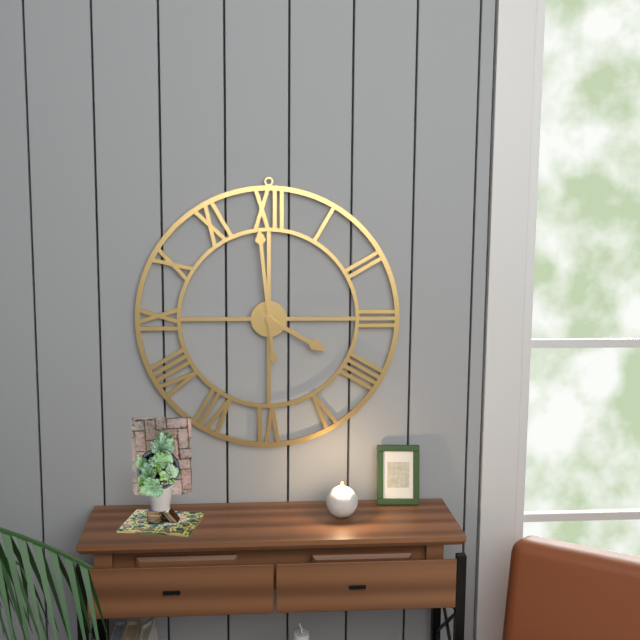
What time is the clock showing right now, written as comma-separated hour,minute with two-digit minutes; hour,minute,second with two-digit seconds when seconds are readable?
3,59
